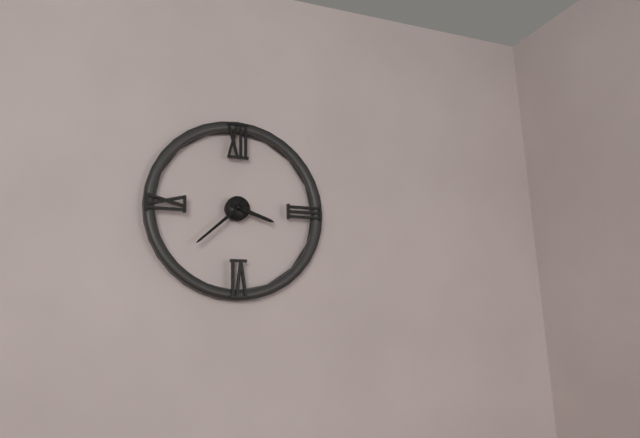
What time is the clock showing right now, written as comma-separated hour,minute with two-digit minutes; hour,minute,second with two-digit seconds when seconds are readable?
3,38
